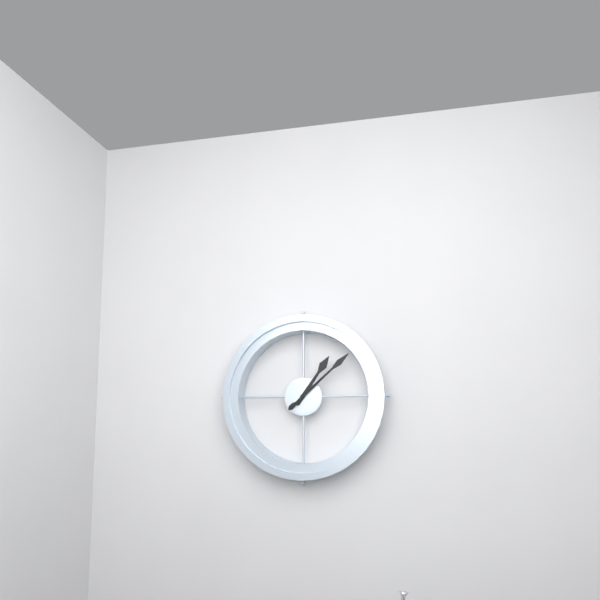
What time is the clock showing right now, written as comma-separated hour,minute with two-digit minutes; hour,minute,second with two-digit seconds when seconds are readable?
1,08
